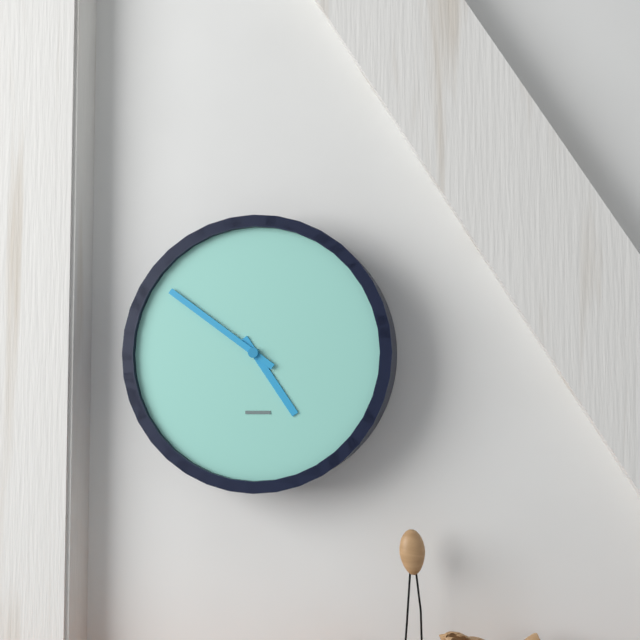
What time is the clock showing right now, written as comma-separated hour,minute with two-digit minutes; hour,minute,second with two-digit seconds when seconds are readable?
4,51
